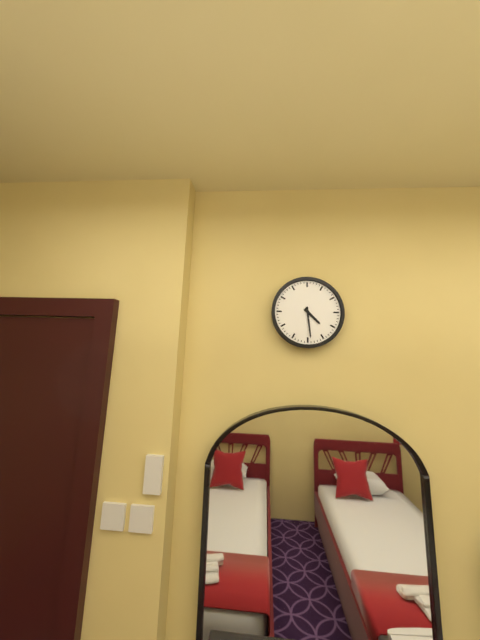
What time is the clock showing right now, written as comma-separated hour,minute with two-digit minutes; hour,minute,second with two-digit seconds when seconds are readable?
4,29
